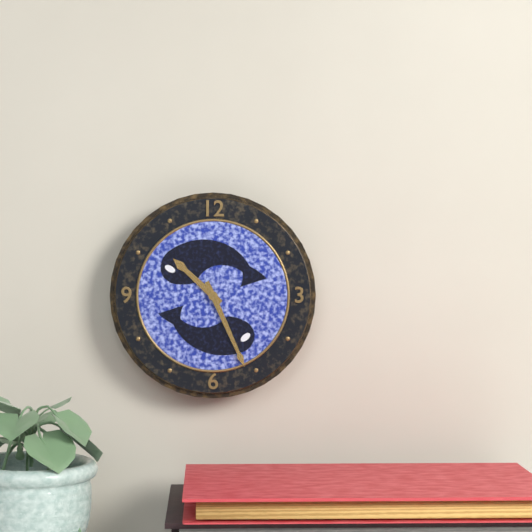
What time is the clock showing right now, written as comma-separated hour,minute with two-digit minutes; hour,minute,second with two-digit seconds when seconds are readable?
10,26
